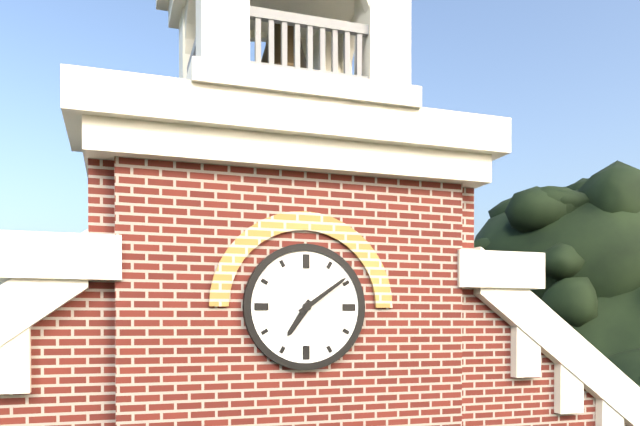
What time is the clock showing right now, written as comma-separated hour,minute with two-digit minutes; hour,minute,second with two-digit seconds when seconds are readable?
7,09
